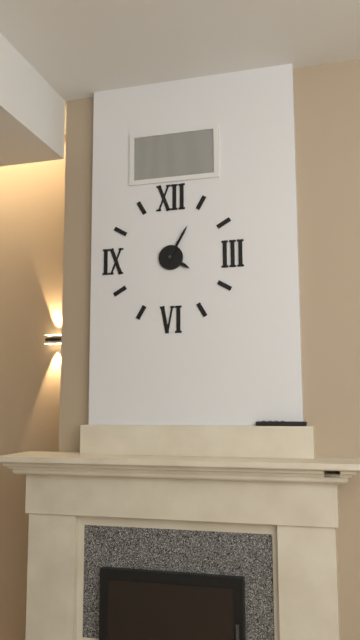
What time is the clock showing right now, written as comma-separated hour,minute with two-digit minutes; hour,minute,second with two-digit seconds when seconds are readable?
4,05
